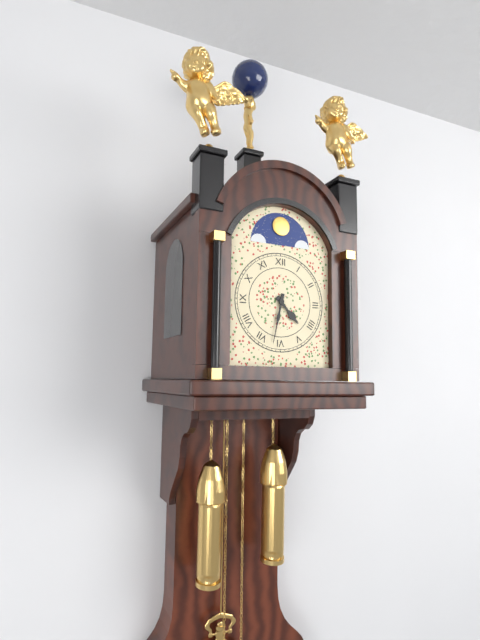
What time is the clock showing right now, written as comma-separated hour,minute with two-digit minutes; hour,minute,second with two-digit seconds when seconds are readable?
4,32
